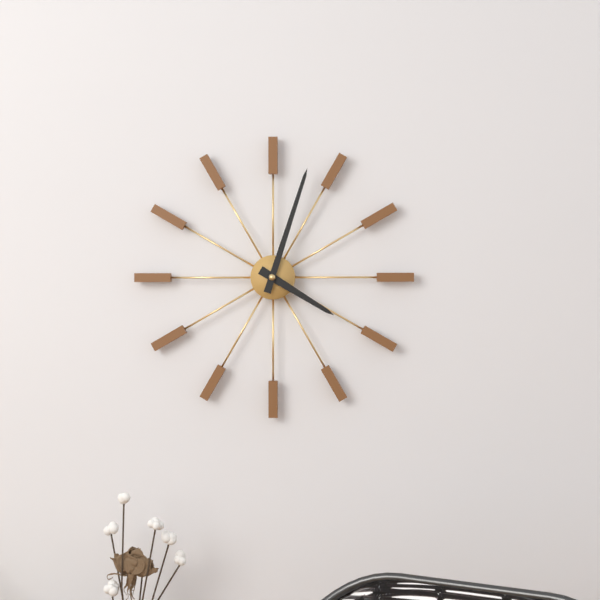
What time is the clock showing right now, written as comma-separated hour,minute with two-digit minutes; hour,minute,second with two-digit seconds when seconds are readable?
4,03
